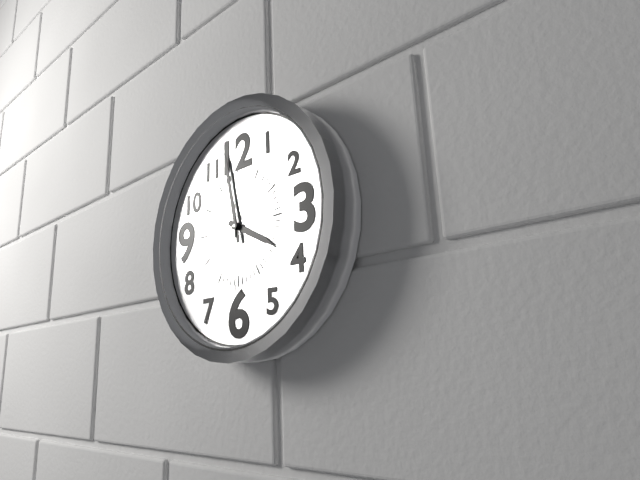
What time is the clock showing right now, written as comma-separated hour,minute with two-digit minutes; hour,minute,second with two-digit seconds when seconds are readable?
3,58,30
